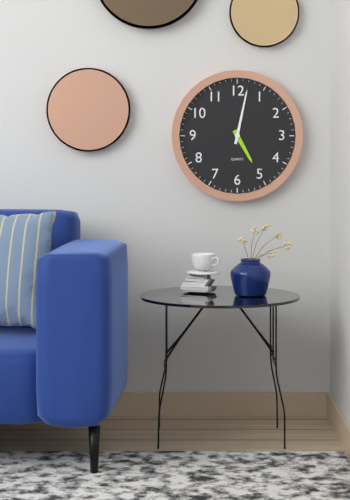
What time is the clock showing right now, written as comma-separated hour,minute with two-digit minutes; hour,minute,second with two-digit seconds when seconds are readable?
5,02
